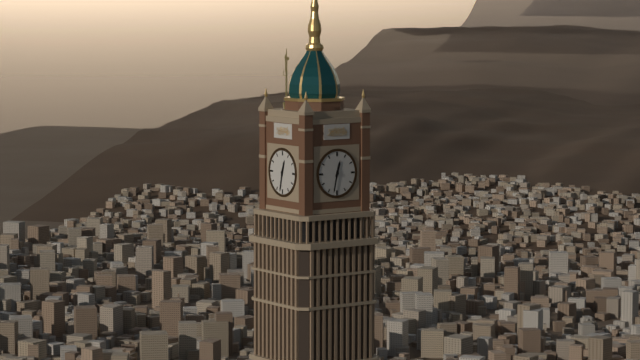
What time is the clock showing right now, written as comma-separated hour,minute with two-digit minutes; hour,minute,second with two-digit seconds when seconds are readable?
12,32
